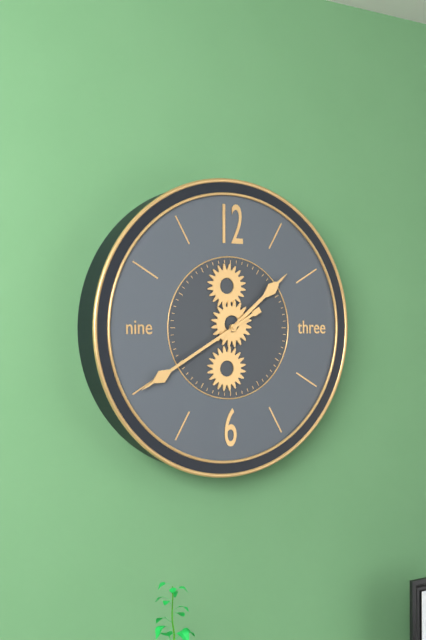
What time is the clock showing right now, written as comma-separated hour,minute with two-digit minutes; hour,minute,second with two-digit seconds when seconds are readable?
1,40
